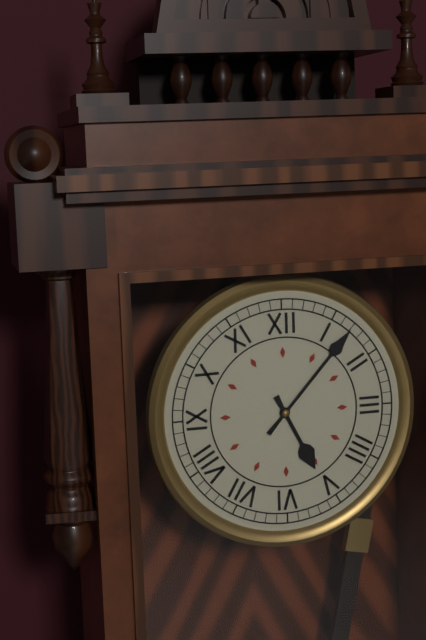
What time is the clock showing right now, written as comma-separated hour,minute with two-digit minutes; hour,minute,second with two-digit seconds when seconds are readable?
5,07
